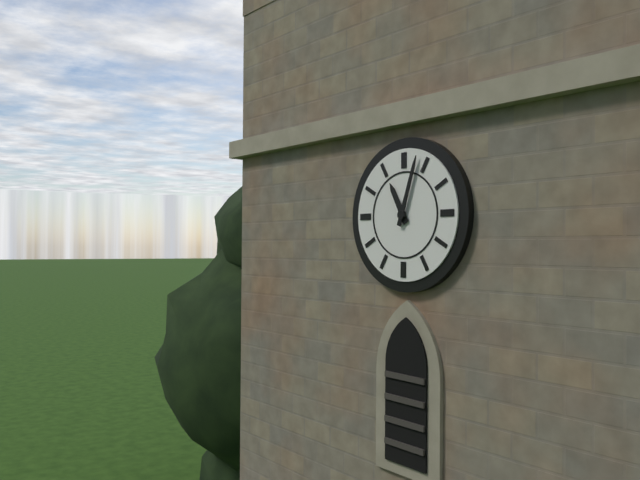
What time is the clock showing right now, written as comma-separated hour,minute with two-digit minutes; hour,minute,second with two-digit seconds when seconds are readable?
11,03
